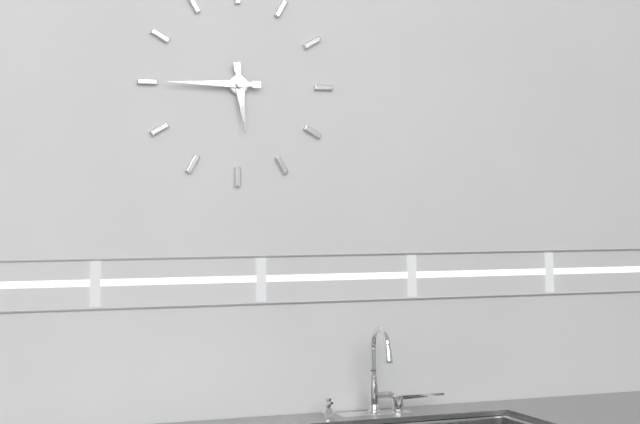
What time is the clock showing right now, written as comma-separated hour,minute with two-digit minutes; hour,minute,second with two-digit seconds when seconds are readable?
5,45
